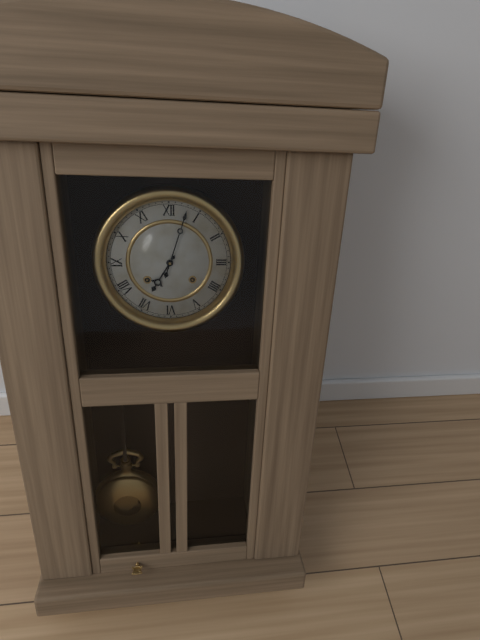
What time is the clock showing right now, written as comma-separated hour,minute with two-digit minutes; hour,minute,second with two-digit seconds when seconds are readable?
7,03
